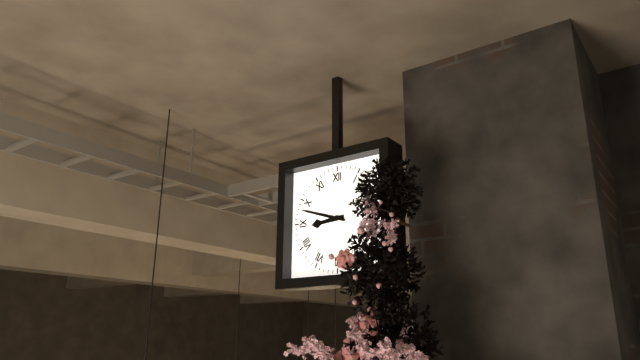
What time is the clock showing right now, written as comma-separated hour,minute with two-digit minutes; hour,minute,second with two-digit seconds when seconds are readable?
8,48
